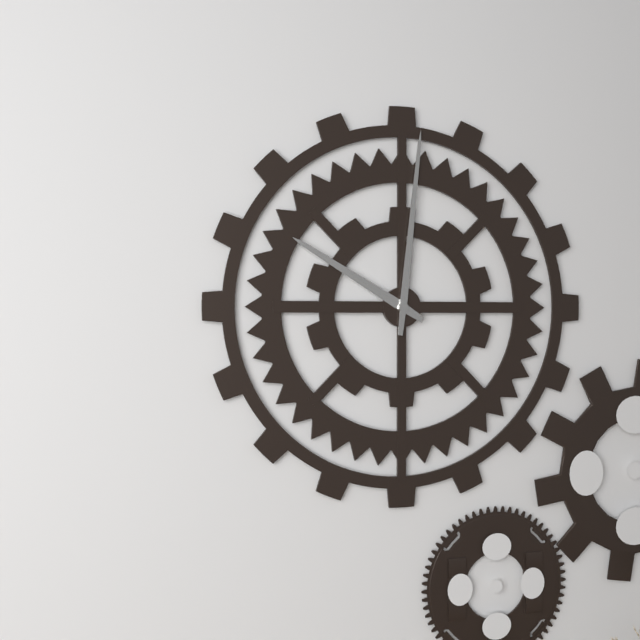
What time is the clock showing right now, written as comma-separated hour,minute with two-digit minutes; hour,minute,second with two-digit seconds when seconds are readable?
10,01
